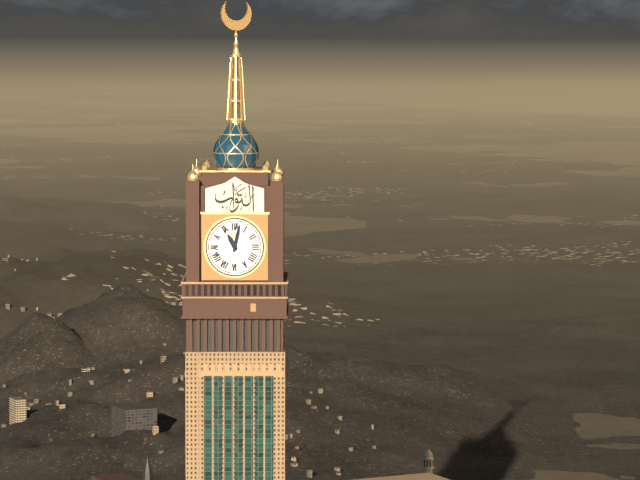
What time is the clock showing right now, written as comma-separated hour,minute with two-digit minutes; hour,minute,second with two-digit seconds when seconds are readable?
11,02
